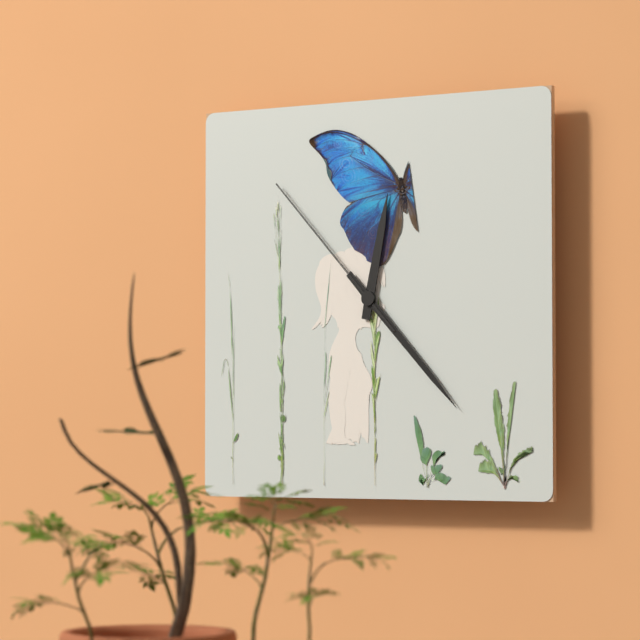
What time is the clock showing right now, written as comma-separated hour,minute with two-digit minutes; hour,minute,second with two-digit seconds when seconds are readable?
12,23,53
